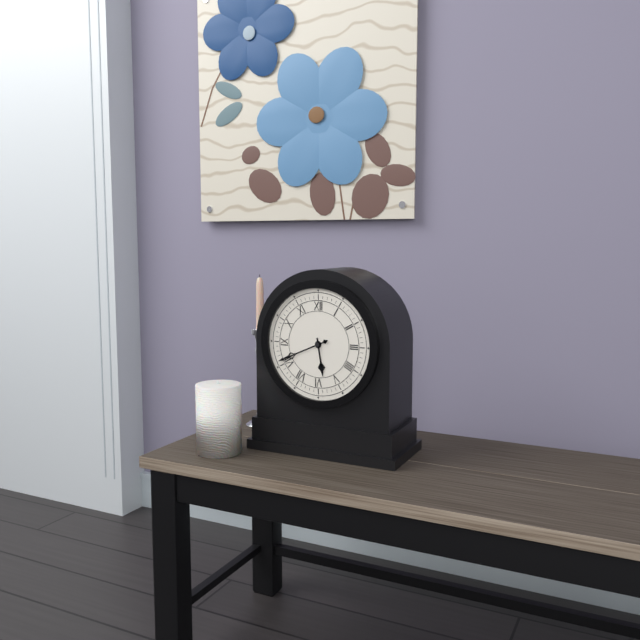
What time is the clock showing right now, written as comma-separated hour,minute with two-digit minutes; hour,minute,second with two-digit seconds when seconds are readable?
5,41
